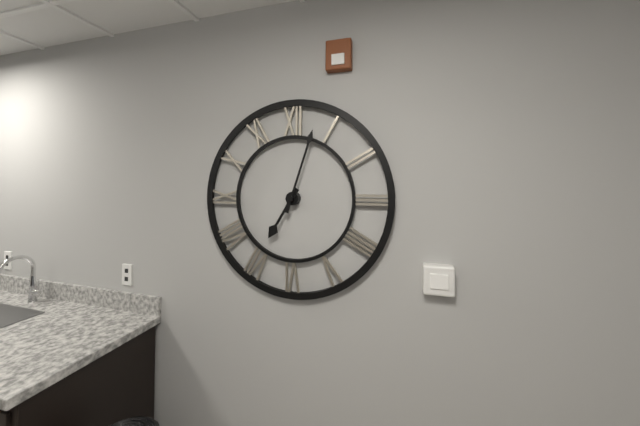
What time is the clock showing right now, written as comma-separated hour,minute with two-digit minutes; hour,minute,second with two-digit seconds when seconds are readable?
7,03
